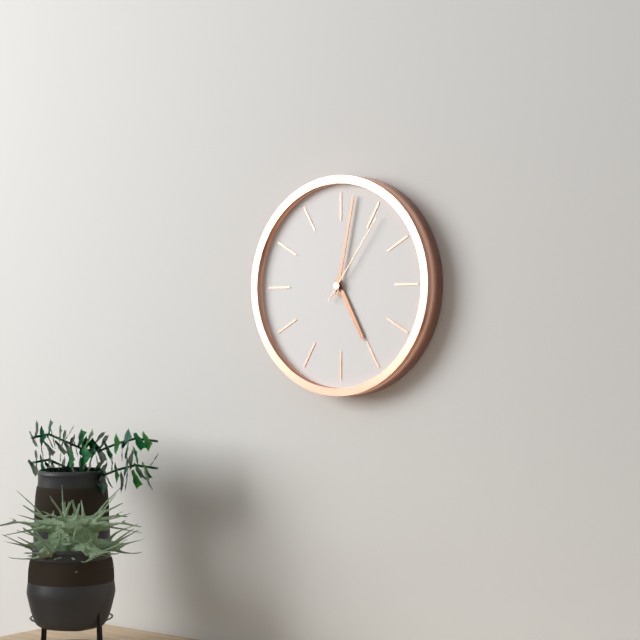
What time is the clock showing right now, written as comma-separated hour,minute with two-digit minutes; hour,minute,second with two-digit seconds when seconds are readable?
5,02,06
